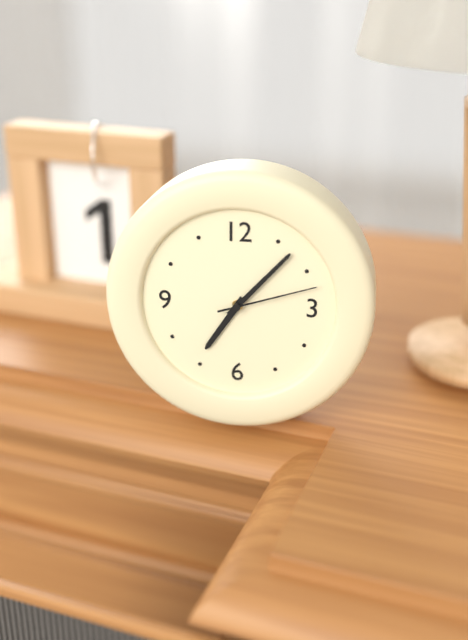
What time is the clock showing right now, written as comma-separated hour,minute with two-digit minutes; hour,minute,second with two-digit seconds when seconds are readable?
7,07,12
